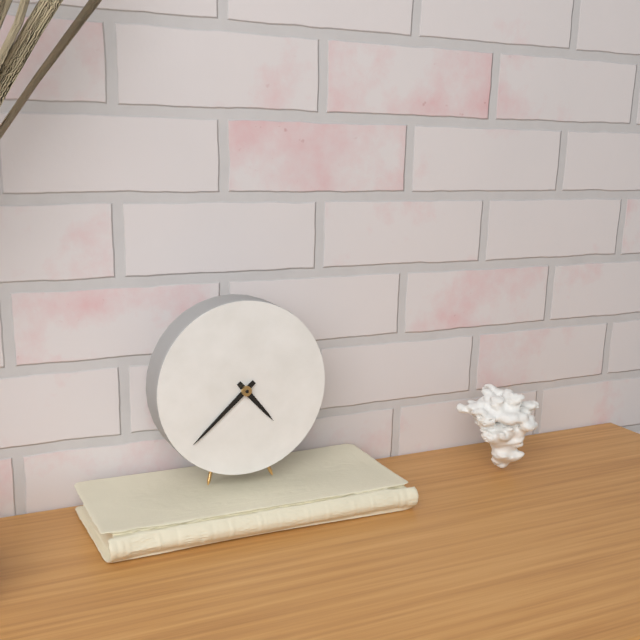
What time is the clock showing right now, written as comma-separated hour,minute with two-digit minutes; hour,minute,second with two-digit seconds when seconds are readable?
4,38
